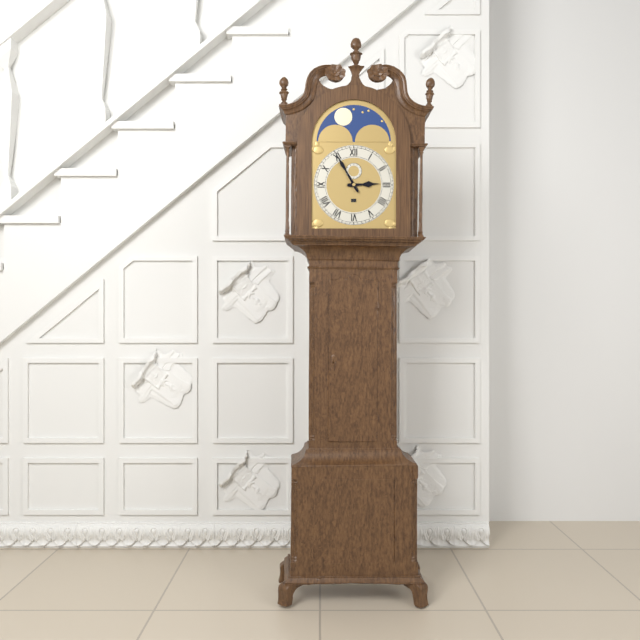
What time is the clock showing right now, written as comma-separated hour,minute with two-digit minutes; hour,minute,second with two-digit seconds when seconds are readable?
2,55
